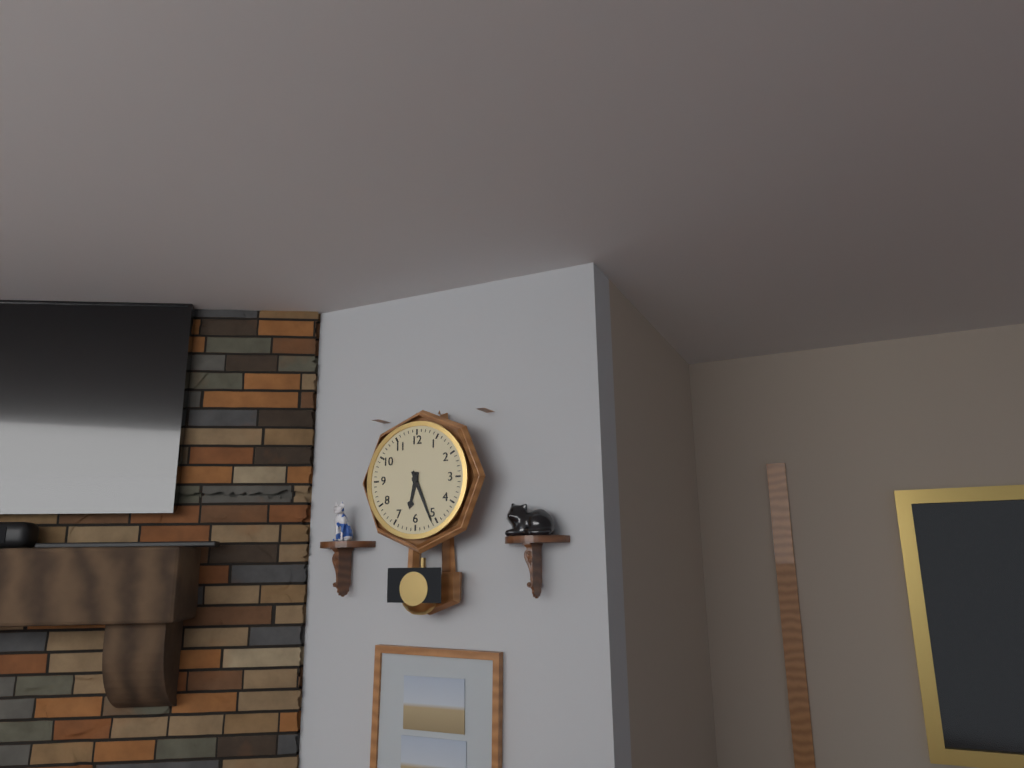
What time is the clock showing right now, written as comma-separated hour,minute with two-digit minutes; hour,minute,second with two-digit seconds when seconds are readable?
6,26
